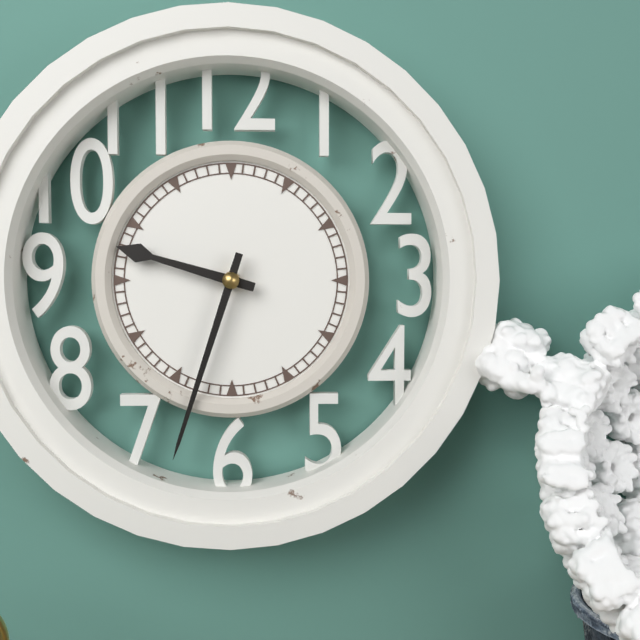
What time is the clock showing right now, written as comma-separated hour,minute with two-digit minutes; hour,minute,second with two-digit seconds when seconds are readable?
9,33
